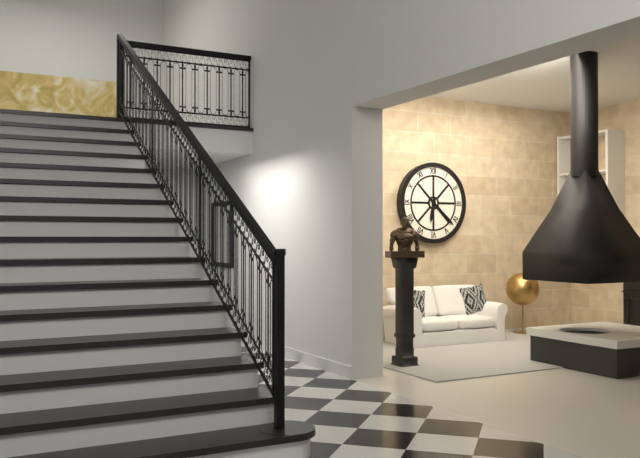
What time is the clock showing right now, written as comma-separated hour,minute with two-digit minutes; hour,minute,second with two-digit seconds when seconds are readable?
6,22
